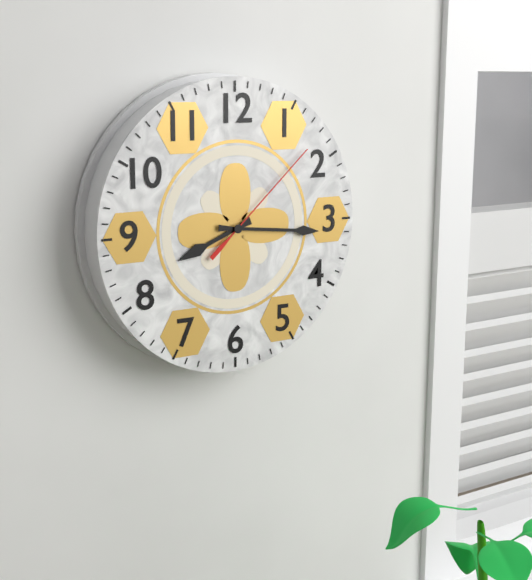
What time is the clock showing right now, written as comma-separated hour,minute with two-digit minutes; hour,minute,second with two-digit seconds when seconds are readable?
8,16,08
